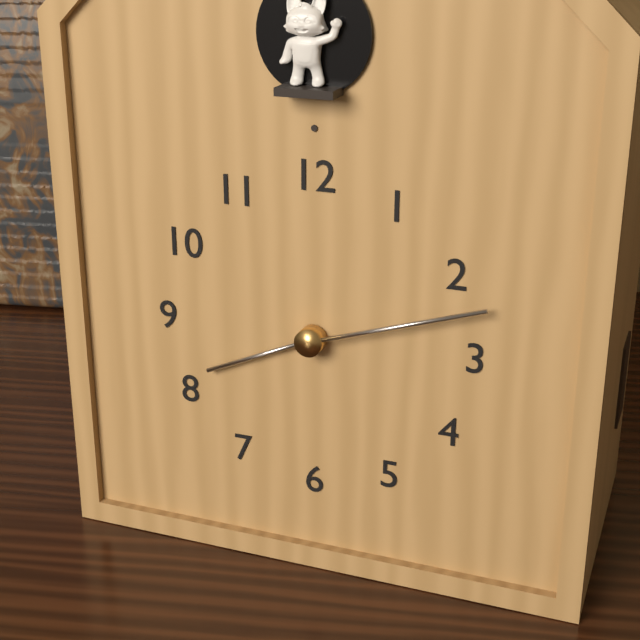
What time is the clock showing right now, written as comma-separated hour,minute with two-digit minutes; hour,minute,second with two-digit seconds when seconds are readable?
8,12
